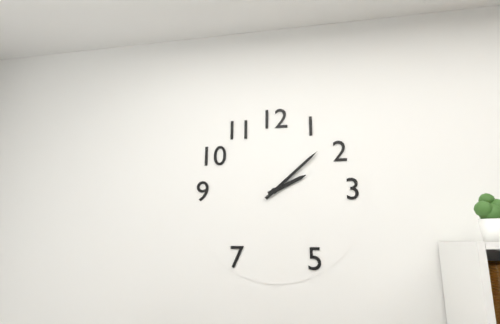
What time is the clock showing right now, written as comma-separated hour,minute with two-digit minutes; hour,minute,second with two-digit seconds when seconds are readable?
2,08
